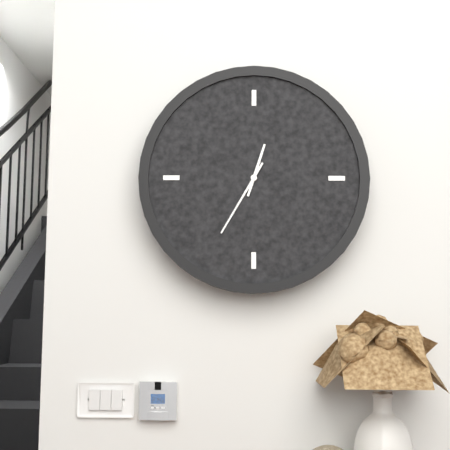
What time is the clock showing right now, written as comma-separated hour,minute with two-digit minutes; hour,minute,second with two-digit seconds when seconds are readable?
12,35
